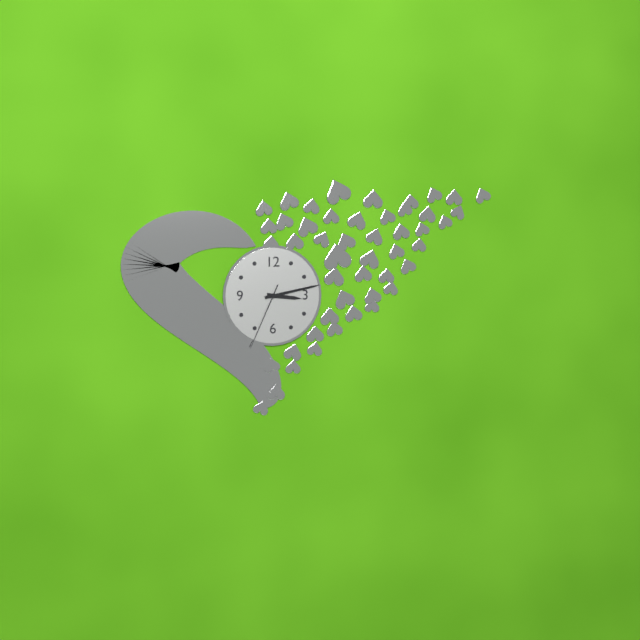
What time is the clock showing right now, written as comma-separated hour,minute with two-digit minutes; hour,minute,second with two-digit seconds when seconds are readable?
3,13,34
